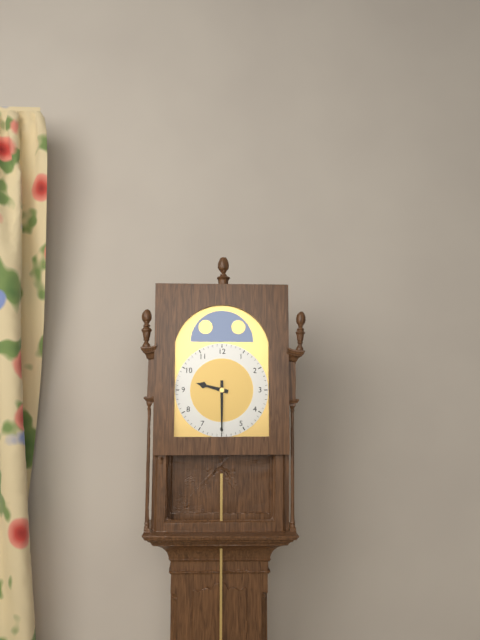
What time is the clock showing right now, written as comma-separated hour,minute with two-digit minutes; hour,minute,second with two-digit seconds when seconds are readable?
9,30
